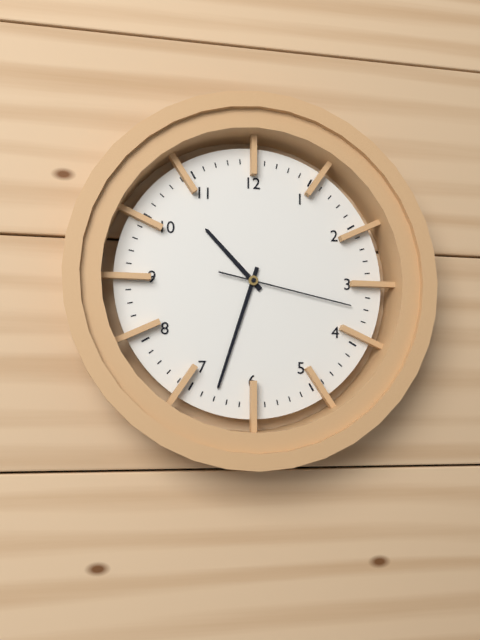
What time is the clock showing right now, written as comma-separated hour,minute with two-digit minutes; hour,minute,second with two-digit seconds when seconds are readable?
10,33,17
